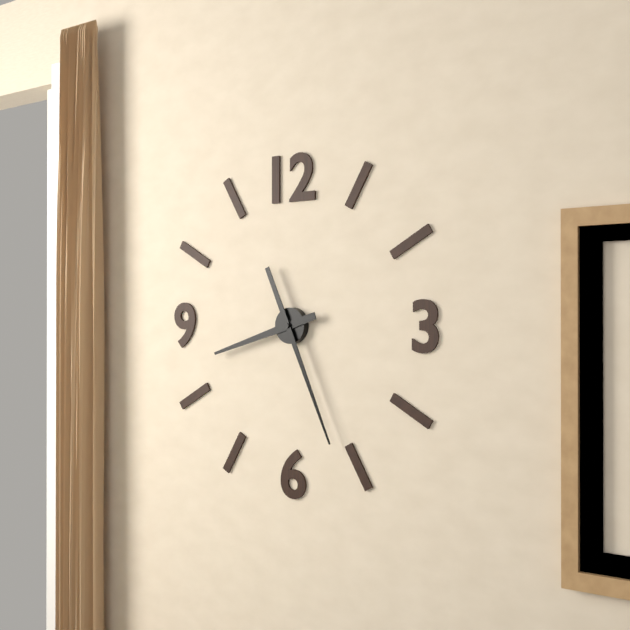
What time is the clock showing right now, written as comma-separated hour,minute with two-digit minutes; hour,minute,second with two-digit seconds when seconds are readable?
8,26
